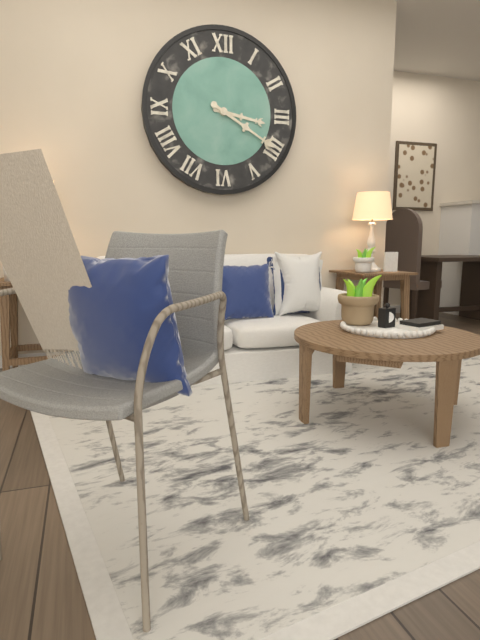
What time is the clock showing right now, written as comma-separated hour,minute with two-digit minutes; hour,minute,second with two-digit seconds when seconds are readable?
3,20
